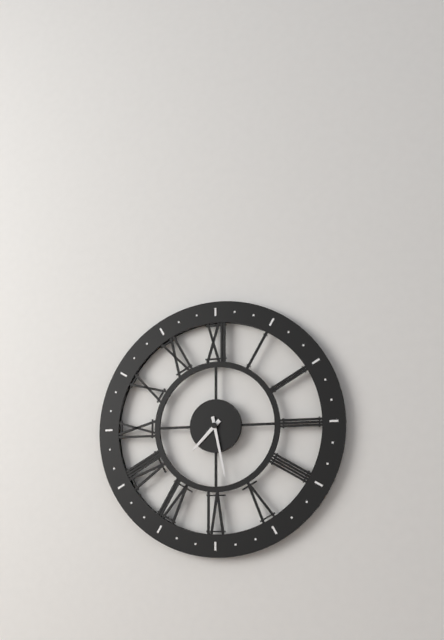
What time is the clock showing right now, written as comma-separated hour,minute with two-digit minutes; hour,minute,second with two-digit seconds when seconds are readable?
7,28
